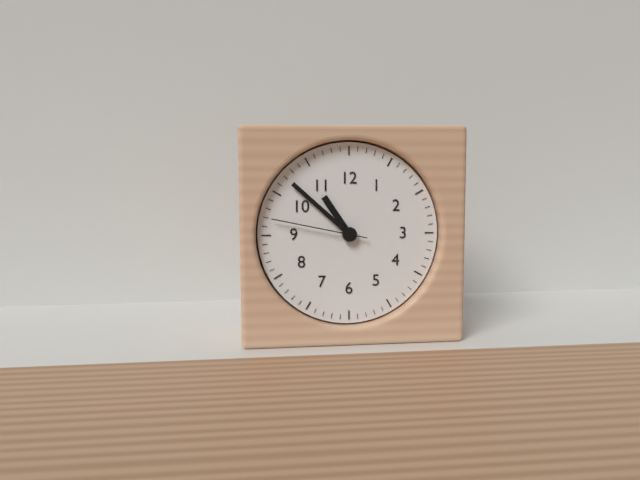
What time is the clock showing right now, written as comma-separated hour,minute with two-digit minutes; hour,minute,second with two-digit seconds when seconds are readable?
10,52,47
